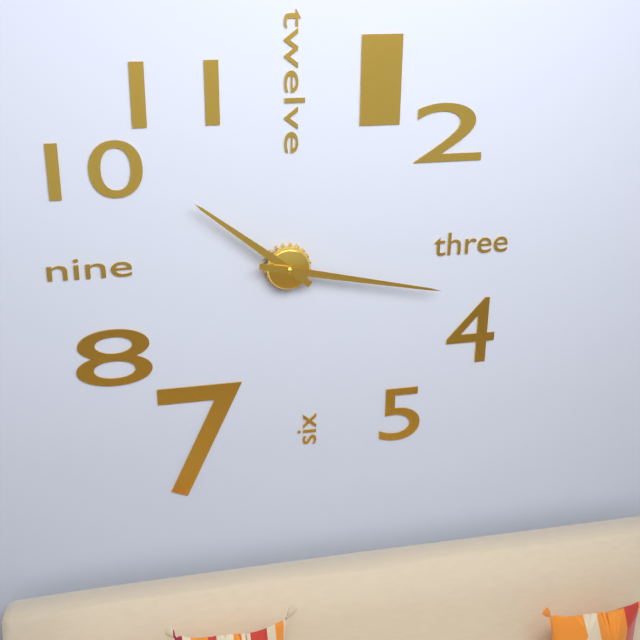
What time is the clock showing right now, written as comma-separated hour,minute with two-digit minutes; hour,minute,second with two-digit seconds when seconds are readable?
10,17
